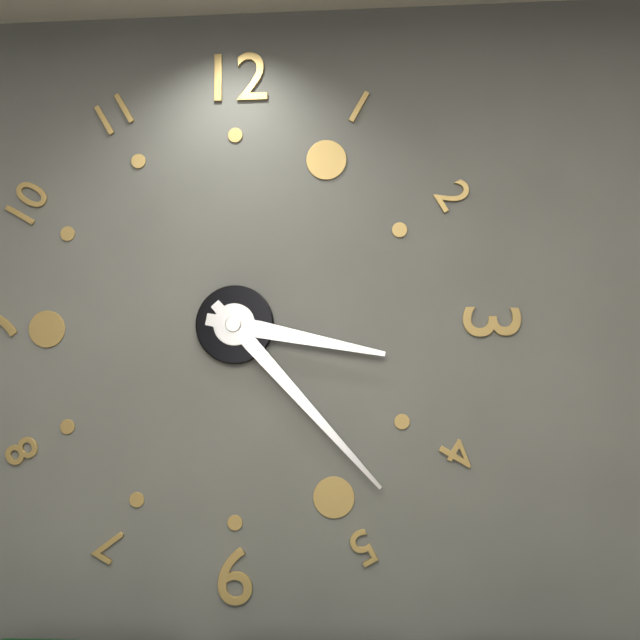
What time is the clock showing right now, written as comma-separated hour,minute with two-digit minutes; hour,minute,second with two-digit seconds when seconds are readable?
3,23
